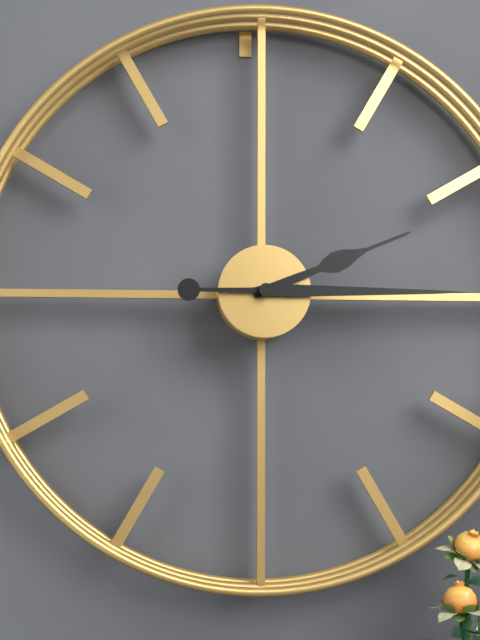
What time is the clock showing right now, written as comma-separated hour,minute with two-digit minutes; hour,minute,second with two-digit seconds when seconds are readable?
2,15
